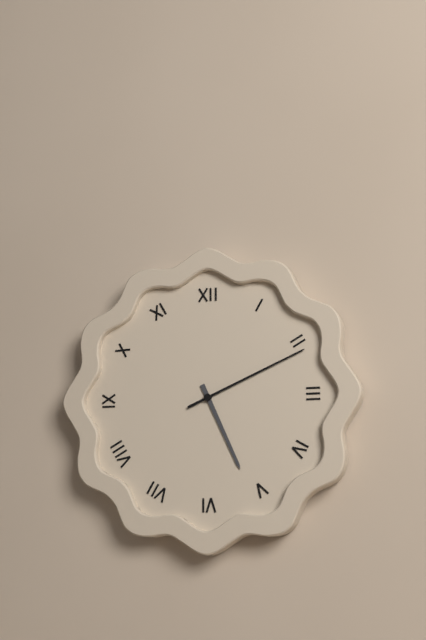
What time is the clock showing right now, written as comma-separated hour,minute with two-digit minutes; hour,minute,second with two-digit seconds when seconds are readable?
5,11
